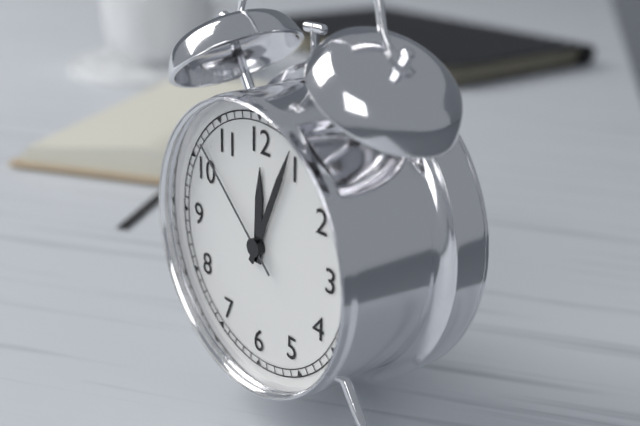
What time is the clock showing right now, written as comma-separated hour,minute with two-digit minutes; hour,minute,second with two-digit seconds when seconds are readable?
12,04,52
